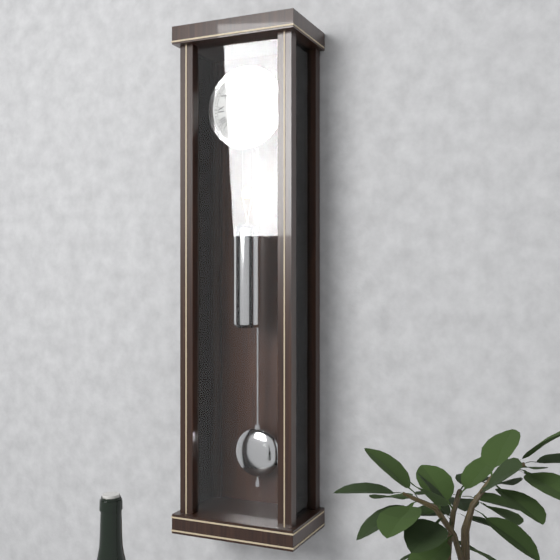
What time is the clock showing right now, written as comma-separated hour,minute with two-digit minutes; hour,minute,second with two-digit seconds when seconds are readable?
6,28
